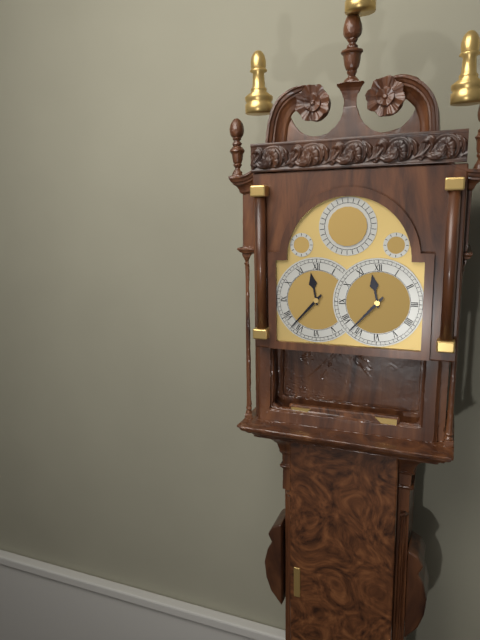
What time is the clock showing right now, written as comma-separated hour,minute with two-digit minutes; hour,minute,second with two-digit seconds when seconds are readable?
11,37
